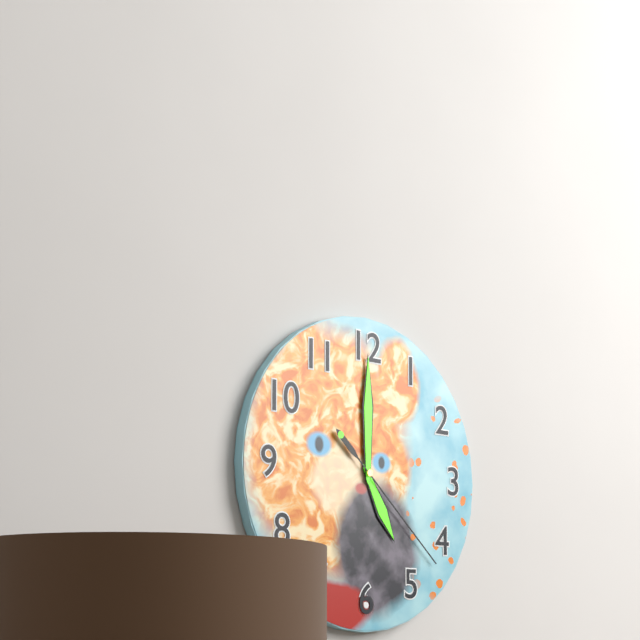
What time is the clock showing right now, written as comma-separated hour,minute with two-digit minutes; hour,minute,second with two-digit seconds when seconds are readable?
5,00,22
